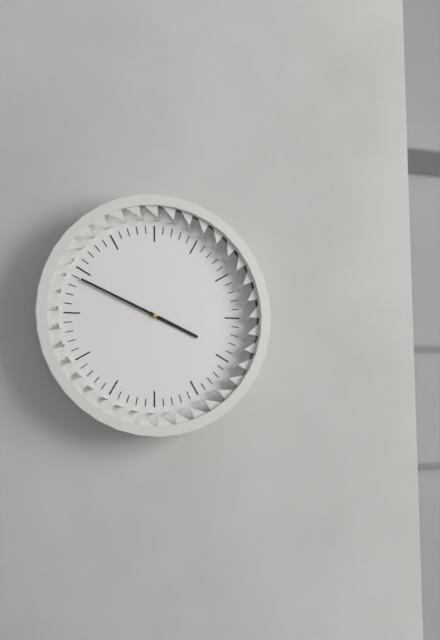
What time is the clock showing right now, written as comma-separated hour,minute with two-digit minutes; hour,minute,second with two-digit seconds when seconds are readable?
3,49
